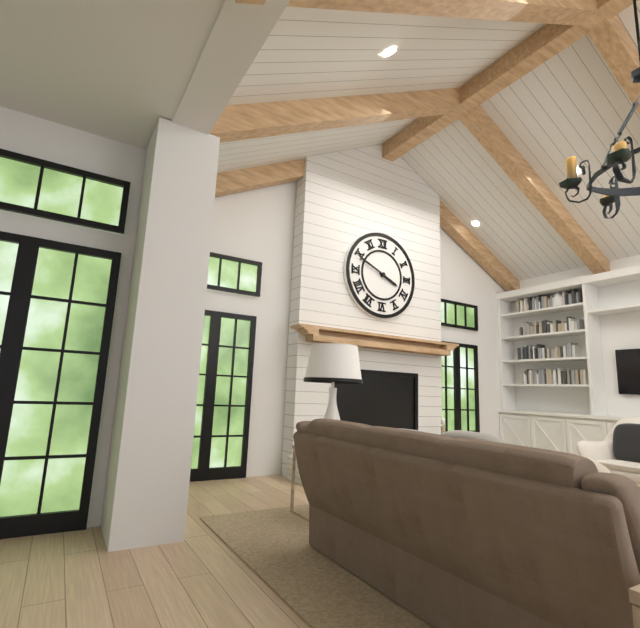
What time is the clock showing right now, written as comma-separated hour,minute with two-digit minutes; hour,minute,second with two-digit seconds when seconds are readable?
3,49
